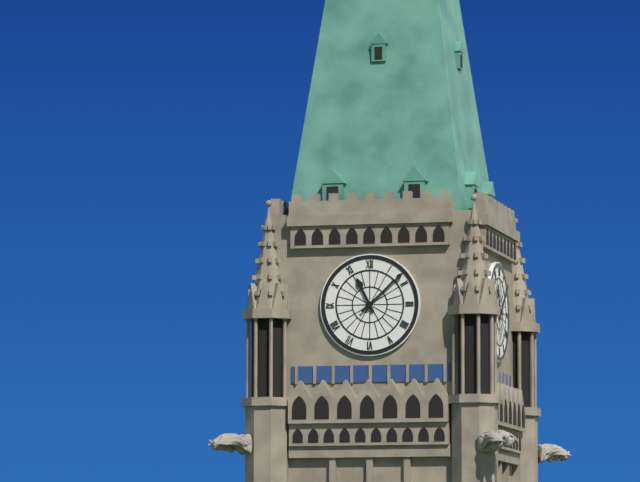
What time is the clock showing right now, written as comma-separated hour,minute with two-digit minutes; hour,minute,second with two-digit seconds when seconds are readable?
11,08
